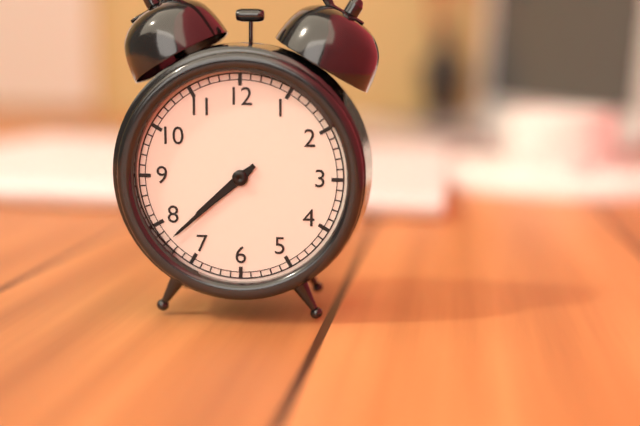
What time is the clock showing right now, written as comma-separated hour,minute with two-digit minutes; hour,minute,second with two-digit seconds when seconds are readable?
7,38
